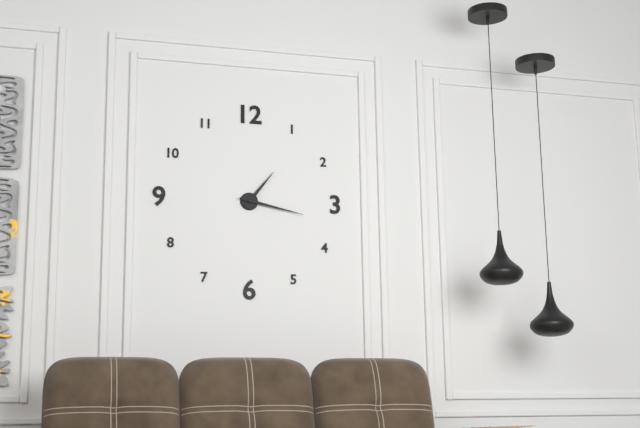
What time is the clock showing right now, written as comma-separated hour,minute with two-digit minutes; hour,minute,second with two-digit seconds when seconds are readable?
1,17
